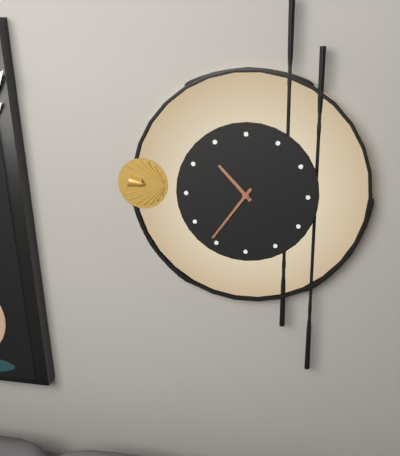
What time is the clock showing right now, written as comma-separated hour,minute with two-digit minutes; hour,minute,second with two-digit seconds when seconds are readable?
10,36
